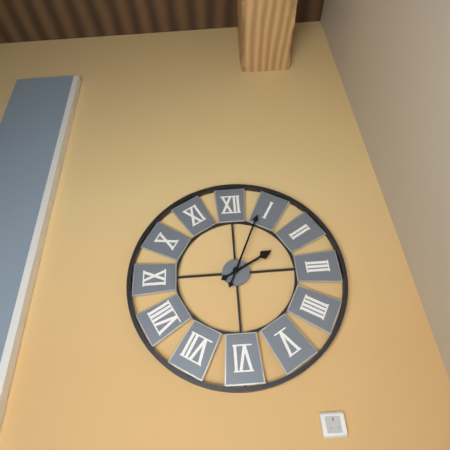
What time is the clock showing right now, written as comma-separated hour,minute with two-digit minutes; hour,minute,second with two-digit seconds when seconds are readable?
2,04
